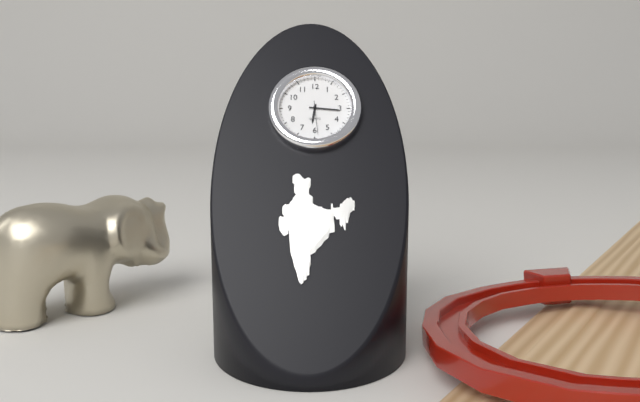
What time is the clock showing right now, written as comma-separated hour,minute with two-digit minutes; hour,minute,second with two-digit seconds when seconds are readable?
6,16
